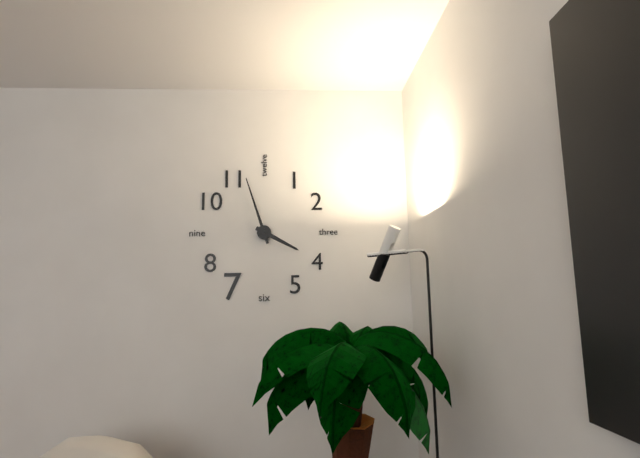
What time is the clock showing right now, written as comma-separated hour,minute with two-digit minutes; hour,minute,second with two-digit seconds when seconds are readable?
3,57
